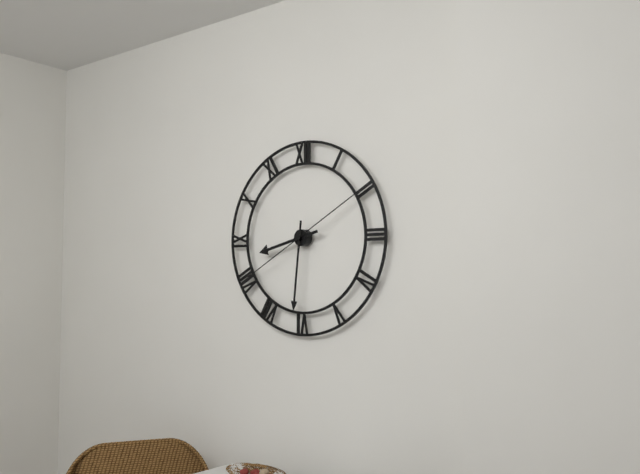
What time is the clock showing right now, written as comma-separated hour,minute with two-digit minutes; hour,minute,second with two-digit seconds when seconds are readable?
8,31,10
